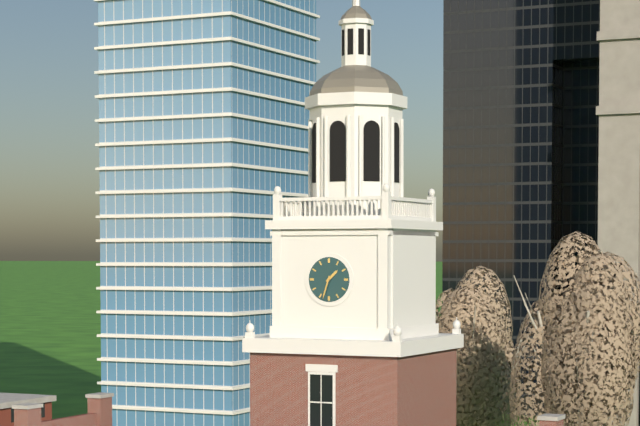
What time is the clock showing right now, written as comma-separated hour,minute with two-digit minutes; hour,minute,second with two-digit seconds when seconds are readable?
1,33
